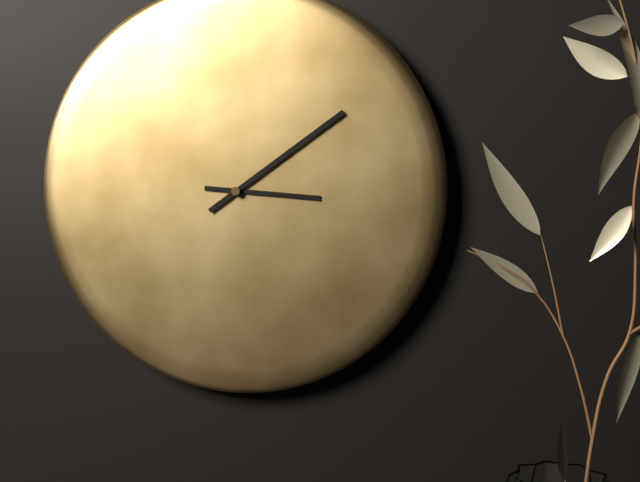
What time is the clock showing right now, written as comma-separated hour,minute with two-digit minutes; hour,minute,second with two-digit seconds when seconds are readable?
3,09
